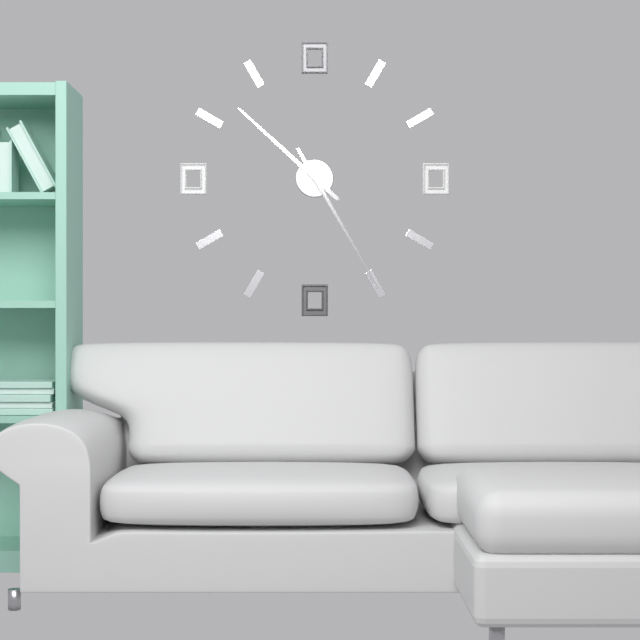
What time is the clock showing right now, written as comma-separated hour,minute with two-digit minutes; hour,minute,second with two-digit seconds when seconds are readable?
10,25
